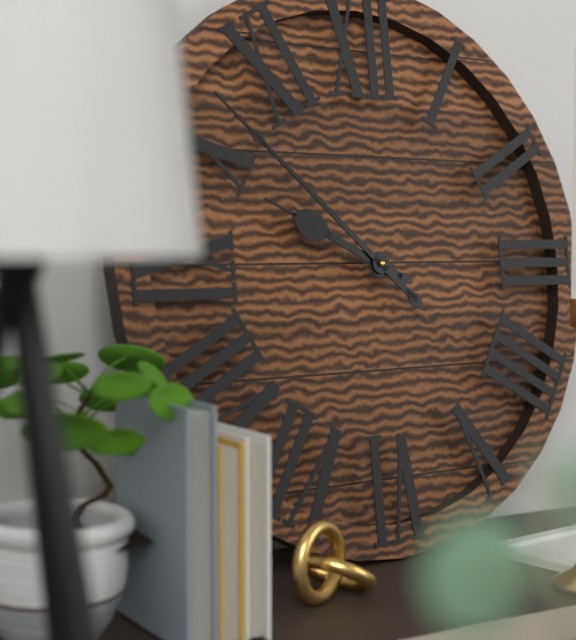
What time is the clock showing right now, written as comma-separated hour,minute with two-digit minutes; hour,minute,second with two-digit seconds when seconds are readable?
9,52
